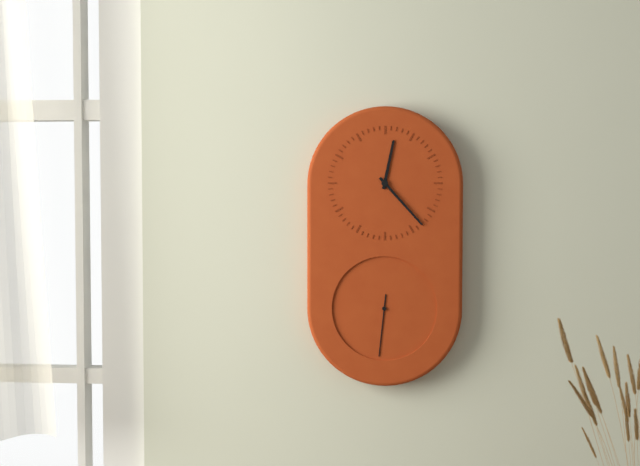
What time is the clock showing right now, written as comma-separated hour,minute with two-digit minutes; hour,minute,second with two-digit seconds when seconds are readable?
12,23,31
